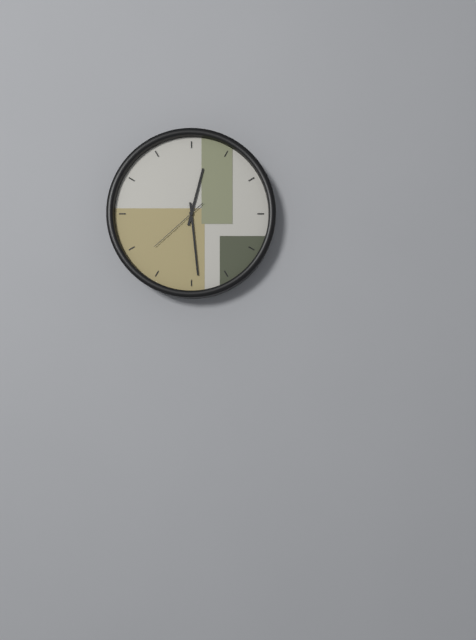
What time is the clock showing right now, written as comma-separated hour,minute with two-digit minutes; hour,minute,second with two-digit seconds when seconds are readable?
12,29,38
